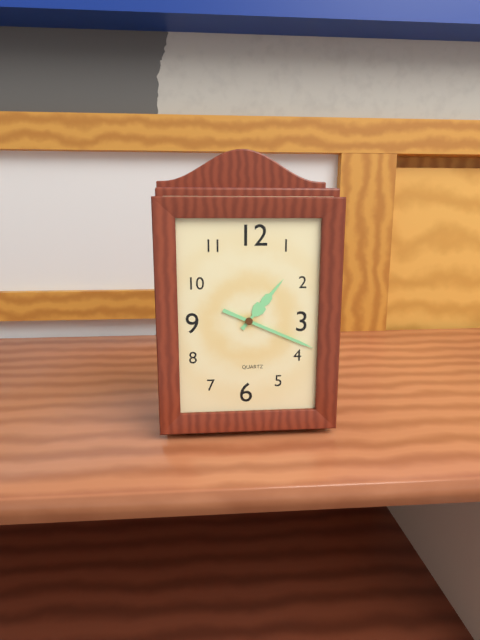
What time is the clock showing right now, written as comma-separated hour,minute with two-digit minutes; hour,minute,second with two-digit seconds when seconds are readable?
1,19
